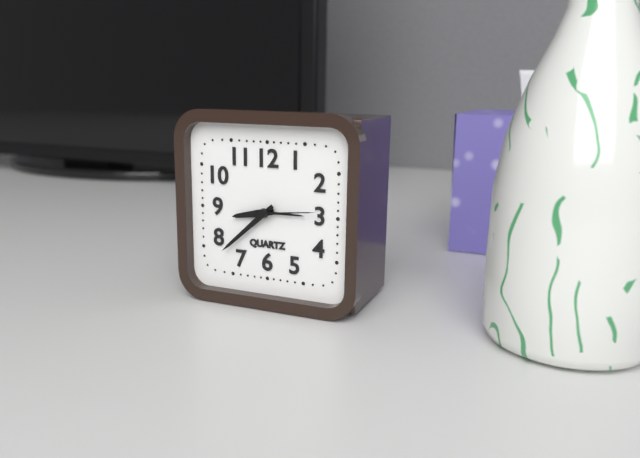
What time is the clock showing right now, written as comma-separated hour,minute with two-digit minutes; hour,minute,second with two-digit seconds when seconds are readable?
8,38,14
